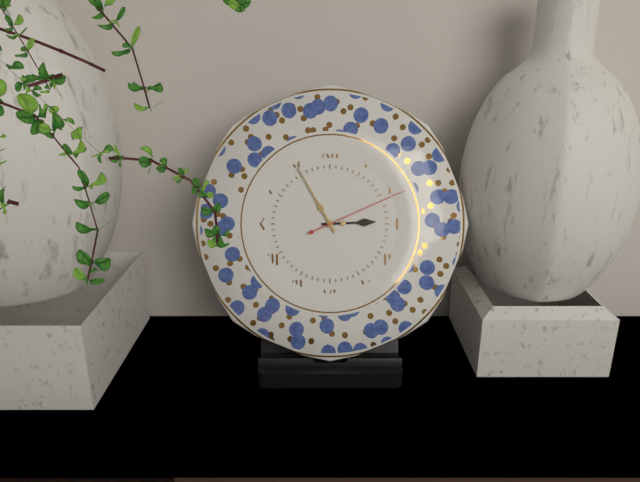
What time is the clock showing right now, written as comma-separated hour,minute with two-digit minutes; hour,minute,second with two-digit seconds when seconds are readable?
2,55,11
